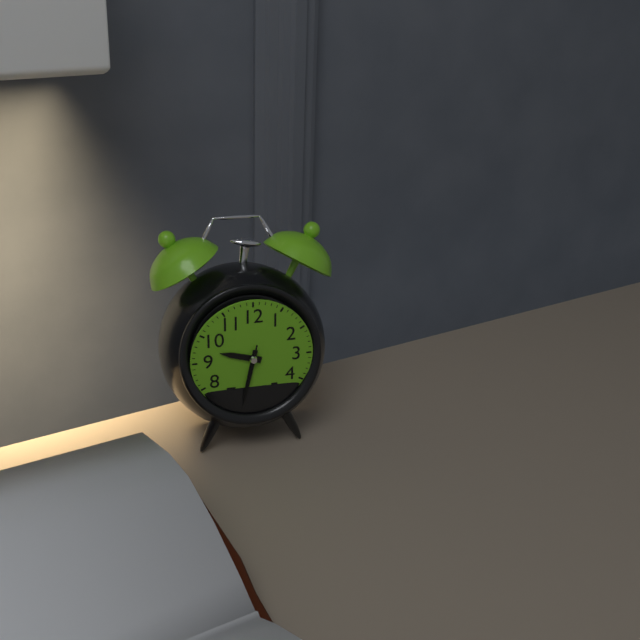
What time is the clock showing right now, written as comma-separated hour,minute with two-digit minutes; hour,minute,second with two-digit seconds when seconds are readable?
9,32,32
